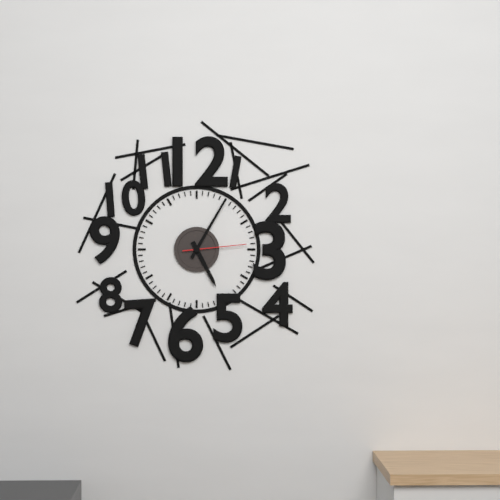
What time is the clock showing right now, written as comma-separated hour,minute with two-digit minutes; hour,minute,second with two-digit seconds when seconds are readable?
5,05,14
